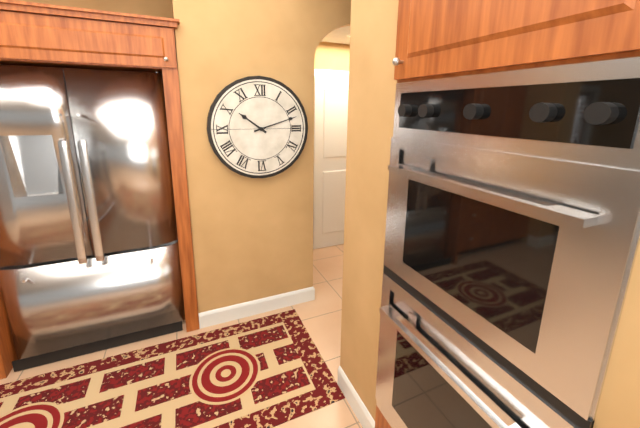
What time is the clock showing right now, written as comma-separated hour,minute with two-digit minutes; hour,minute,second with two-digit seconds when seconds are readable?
10,12
